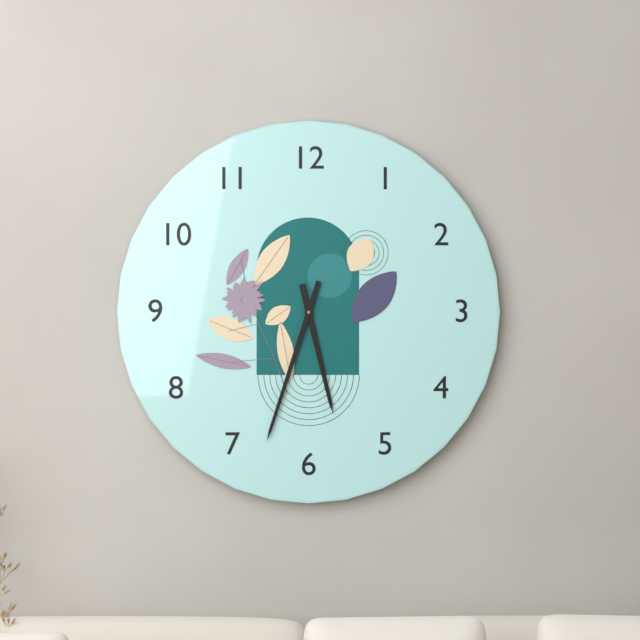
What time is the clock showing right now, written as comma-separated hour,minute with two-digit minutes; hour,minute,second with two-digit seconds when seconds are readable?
5,33
